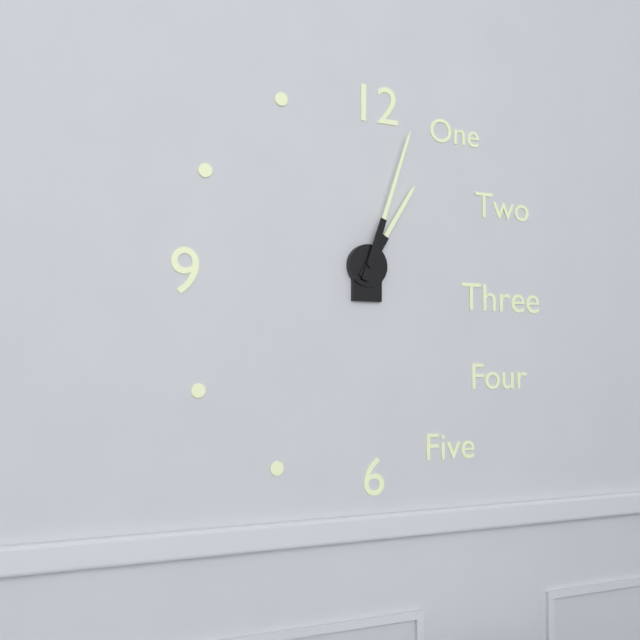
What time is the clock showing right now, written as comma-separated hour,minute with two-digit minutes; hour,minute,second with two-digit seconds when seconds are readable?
1,03
